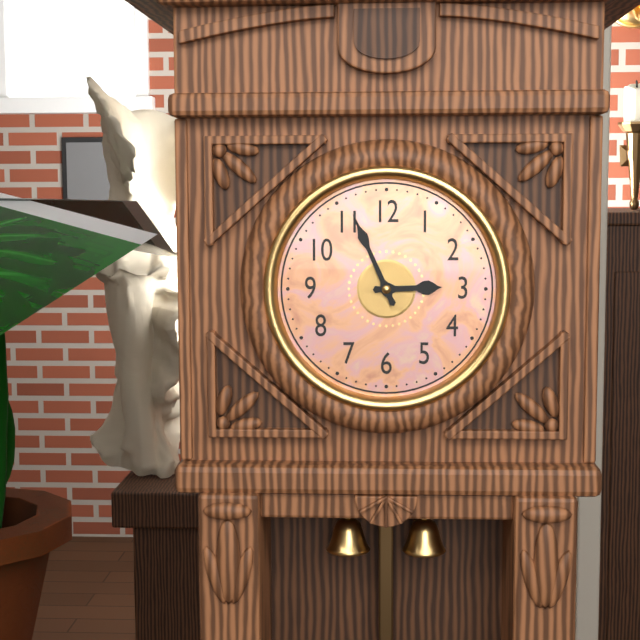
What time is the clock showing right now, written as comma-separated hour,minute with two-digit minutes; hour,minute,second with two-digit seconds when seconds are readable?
2,56
